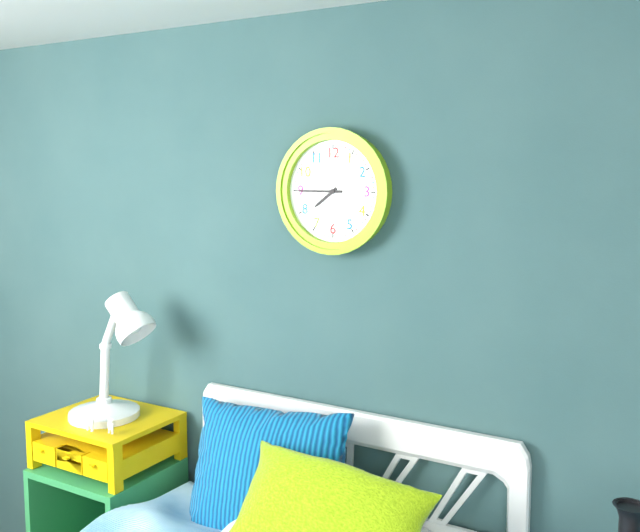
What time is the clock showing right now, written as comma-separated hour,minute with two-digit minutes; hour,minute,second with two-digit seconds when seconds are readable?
7,45
